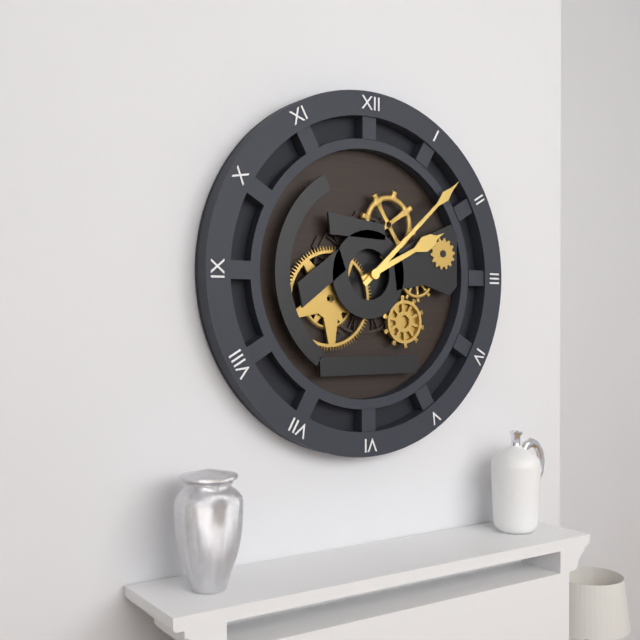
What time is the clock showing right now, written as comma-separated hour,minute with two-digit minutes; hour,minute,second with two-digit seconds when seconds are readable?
2,08
